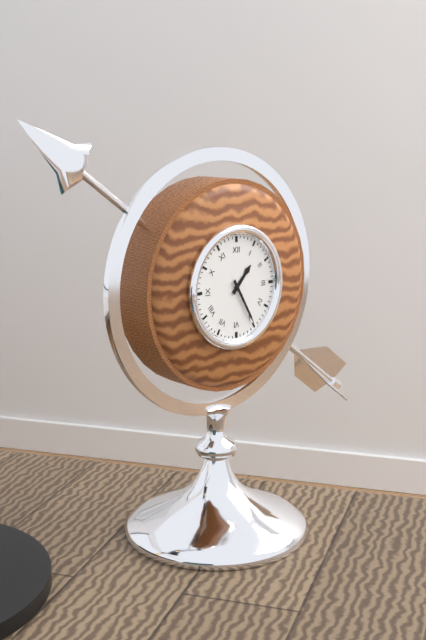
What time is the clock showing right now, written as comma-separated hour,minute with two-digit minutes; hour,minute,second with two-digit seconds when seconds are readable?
1,25
